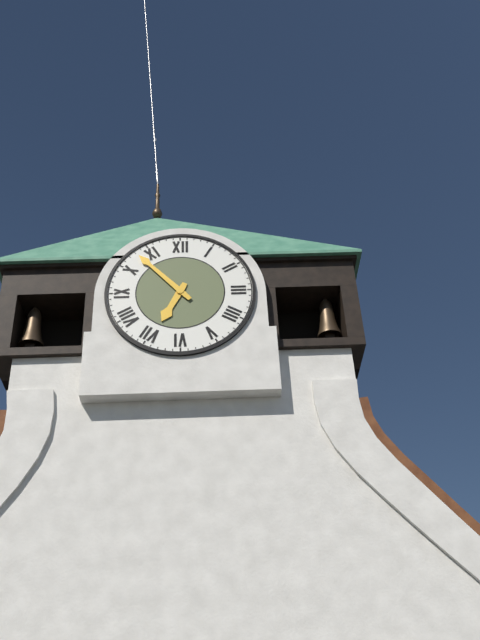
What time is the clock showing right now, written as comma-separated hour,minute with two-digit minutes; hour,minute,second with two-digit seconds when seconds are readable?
6,53
